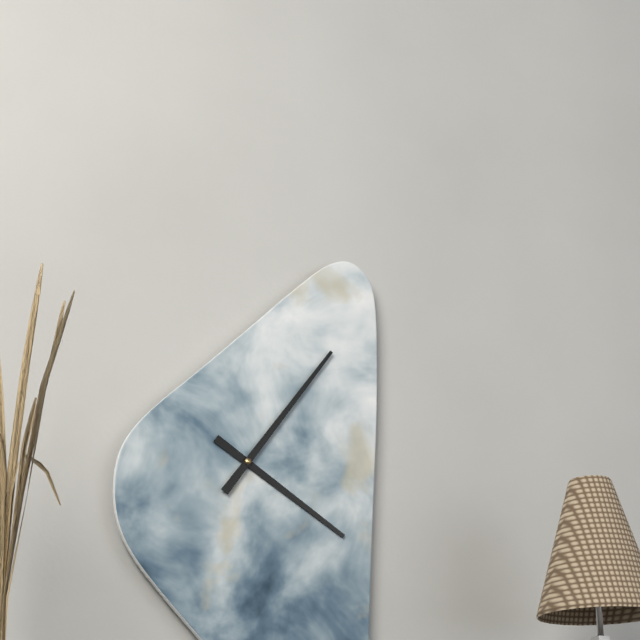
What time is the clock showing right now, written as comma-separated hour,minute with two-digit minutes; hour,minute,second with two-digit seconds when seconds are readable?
4,06
